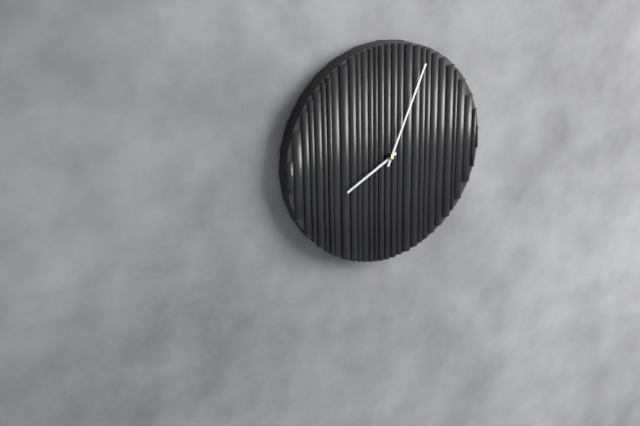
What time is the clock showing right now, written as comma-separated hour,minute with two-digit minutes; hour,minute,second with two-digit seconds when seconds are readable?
8,04
